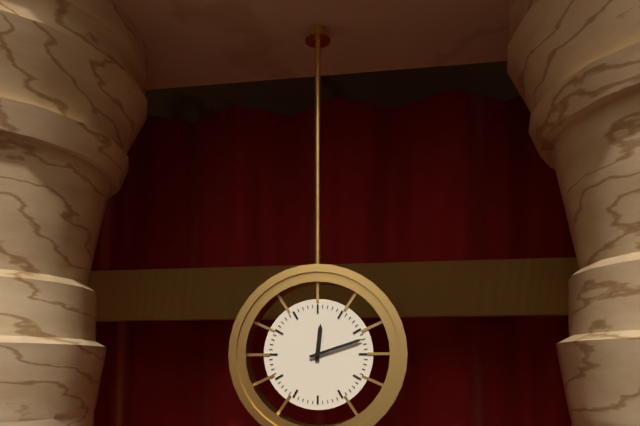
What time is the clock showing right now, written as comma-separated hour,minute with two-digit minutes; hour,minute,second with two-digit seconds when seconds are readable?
12,12
